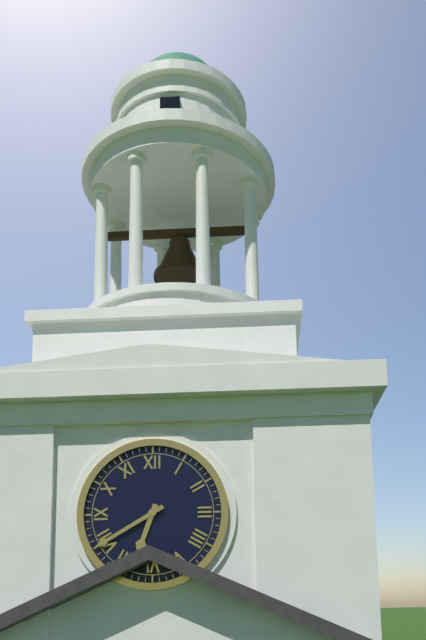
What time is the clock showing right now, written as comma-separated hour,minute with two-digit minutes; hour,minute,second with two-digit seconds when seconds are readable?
6,40
